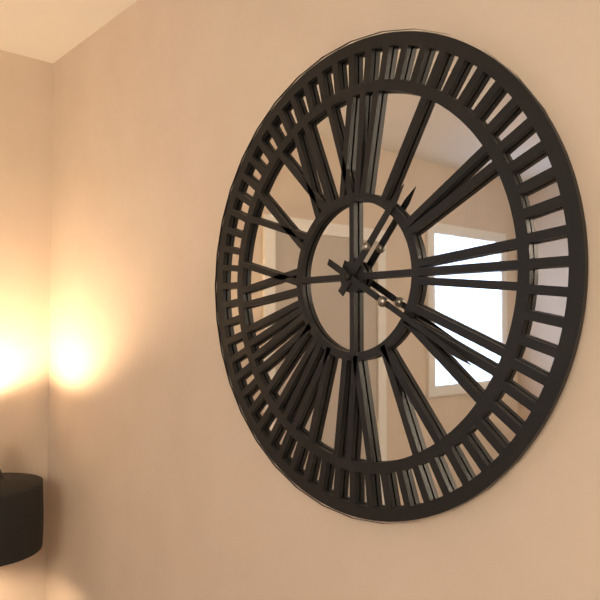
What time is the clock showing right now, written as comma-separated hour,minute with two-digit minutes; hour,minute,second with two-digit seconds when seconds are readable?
1,20
